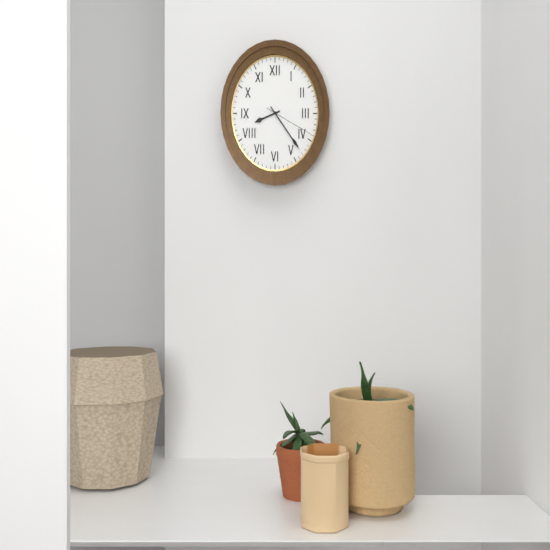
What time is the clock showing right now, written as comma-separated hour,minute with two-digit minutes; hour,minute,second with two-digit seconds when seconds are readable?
8,23,19
